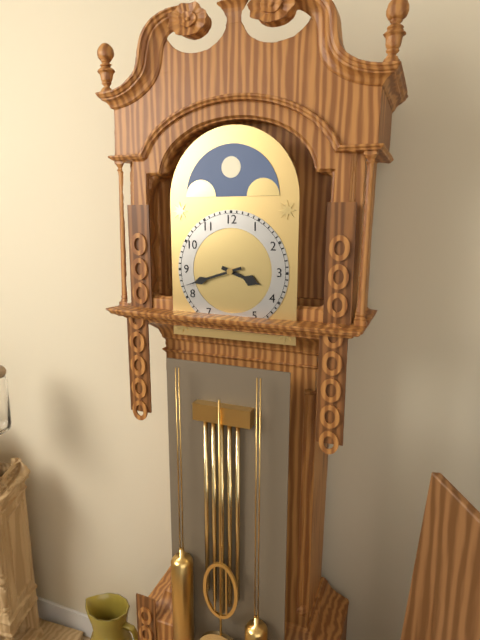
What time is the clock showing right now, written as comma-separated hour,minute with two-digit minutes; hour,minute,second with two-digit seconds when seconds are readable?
3,42
